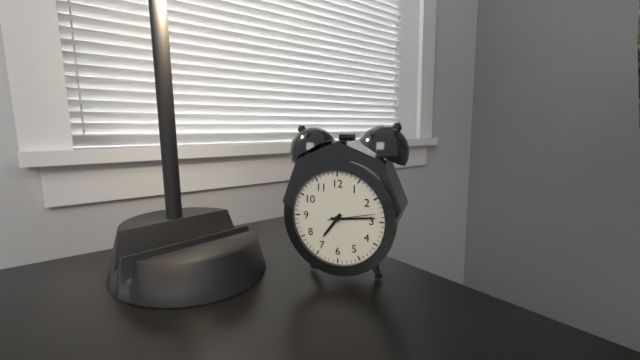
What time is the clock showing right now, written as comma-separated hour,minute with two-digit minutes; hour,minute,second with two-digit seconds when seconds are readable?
7,14,13
